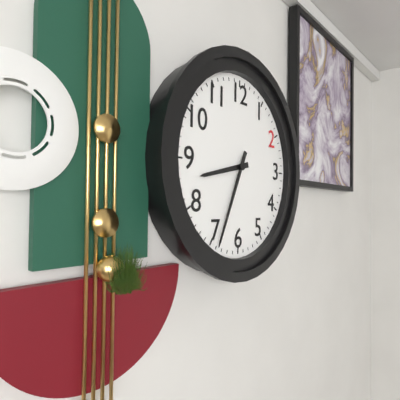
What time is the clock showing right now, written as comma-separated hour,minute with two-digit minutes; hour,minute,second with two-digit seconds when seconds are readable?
8,34
